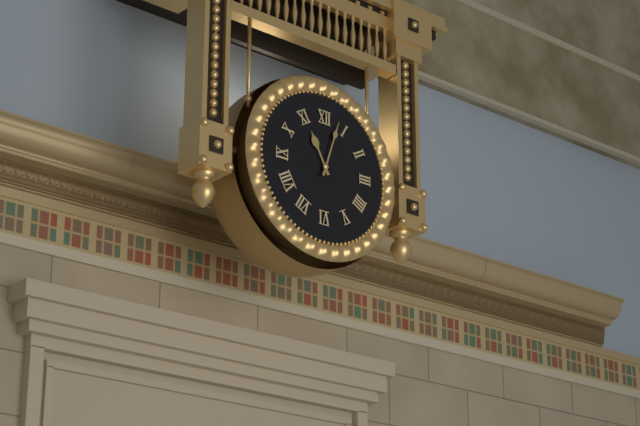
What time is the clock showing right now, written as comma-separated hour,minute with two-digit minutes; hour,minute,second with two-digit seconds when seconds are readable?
11,03
